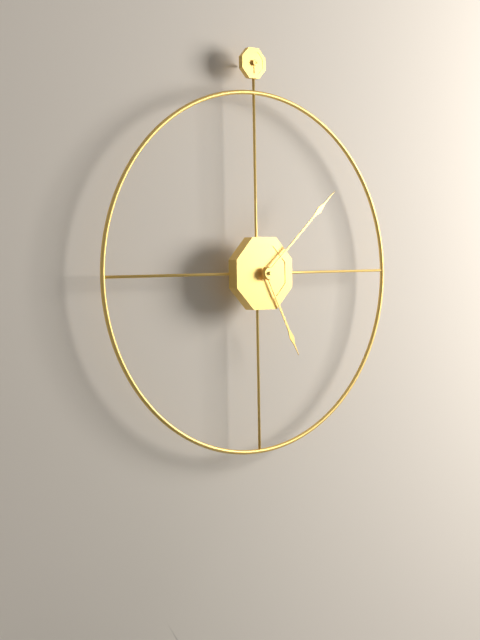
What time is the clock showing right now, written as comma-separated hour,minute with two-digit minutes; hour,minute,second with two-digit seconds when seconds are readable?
5,08
